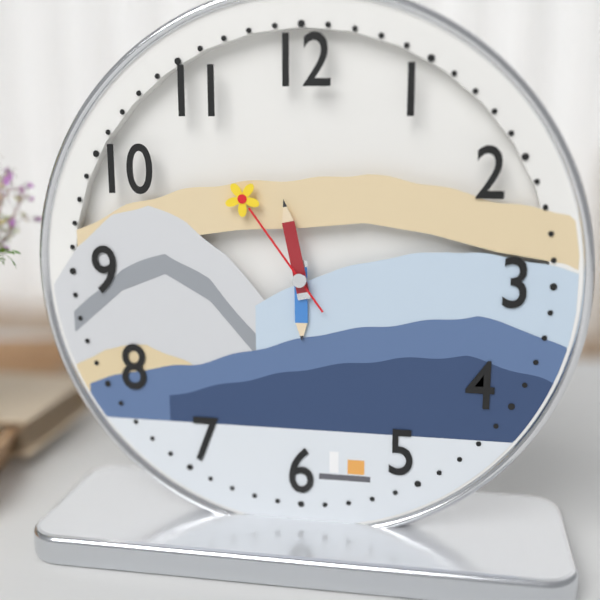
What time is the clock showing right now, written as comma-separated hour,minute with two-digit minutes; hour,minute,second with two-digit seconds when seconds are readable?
5,58,54
